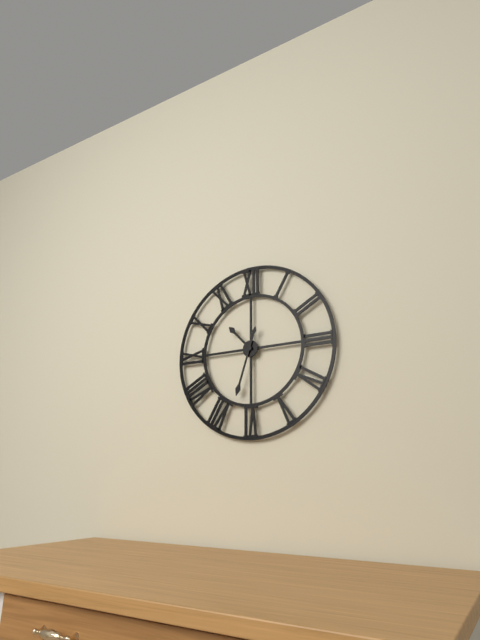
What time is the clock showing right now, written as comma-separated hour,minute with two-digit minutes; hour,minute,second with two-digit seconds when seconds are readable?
10,33
